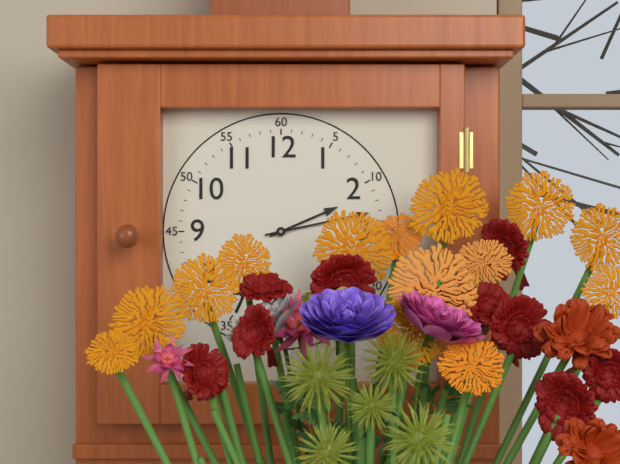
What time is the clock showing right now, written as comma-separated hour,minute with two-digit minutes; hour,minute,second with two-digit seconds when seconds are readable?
2,13
